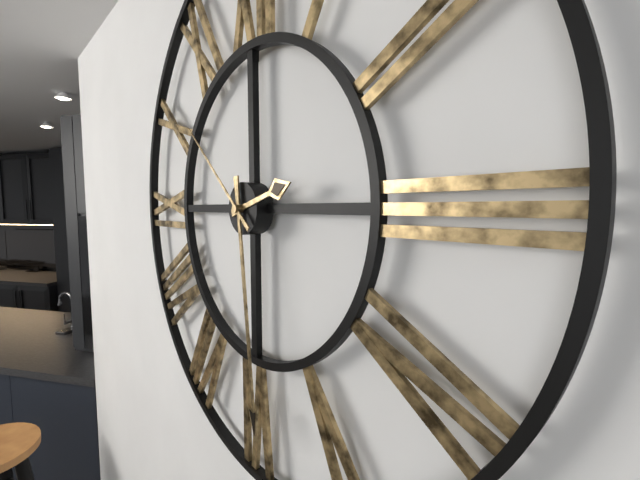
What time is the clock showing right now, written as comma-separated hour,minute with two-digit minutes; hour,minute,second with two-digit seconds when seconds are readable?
2,29,52
